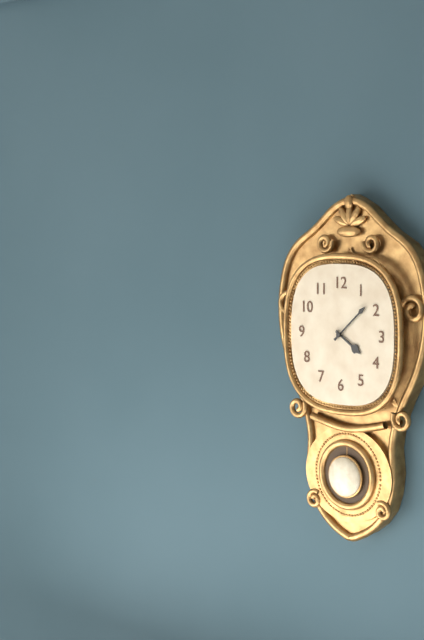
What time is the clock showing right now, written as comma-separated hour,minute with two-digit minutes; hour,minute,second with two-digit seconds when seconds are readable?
4,08
